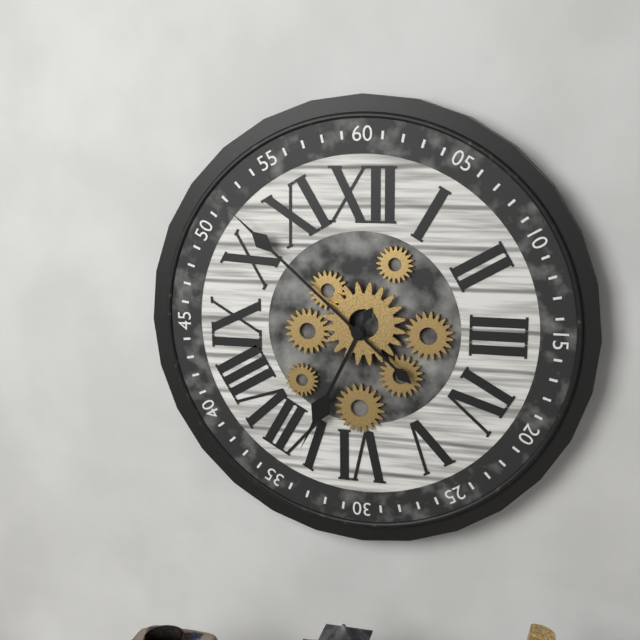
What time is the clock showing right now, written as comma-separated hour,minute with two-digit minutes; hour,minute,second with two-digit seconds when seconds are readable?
6,52
